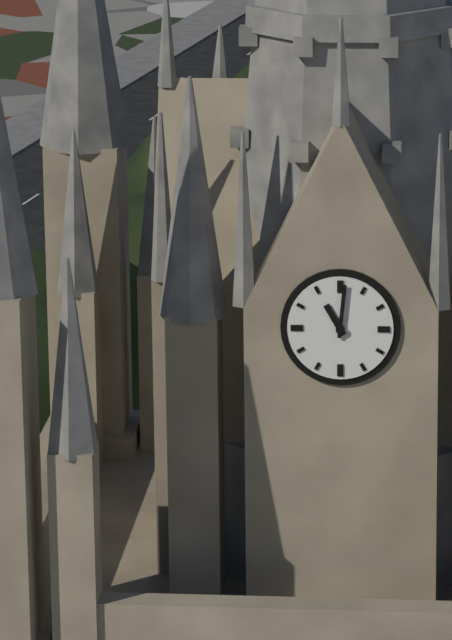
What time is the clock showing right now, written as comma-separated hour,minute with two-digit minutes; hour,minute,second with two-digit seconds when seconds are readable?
11,01
